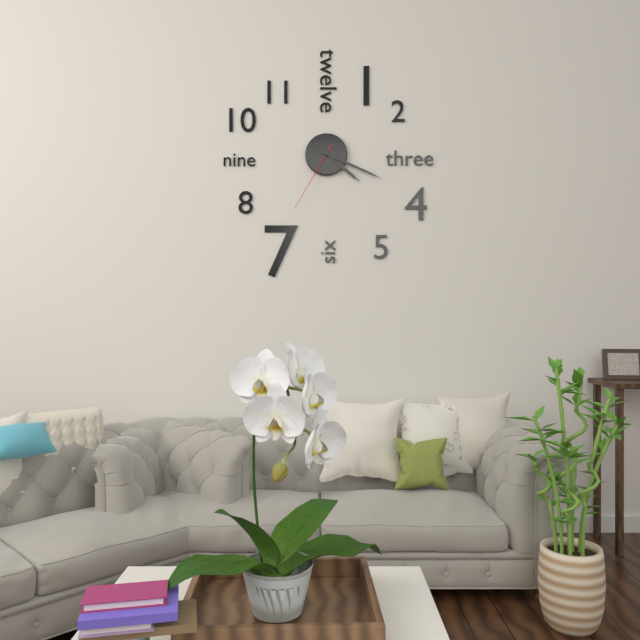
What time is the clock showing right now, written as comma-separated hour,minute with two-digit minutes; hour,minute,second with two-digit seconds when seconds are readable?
4,19,35
